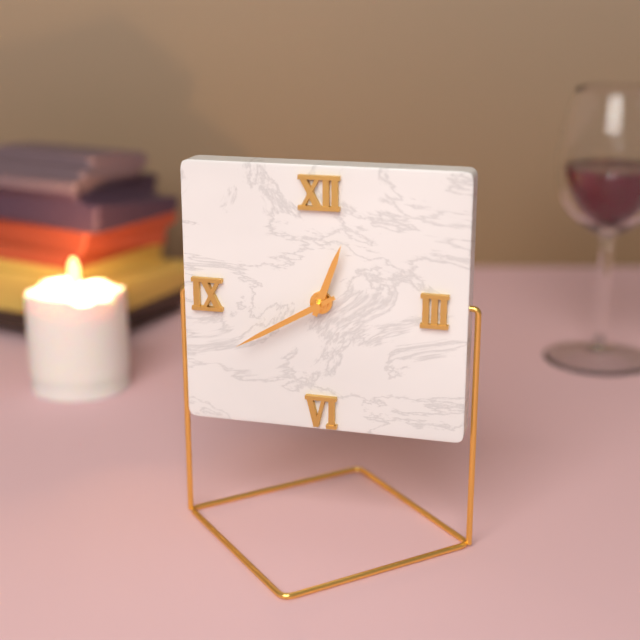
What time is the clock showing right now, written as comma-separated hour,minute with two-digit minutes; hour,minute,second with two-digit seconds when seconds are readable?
12,40
